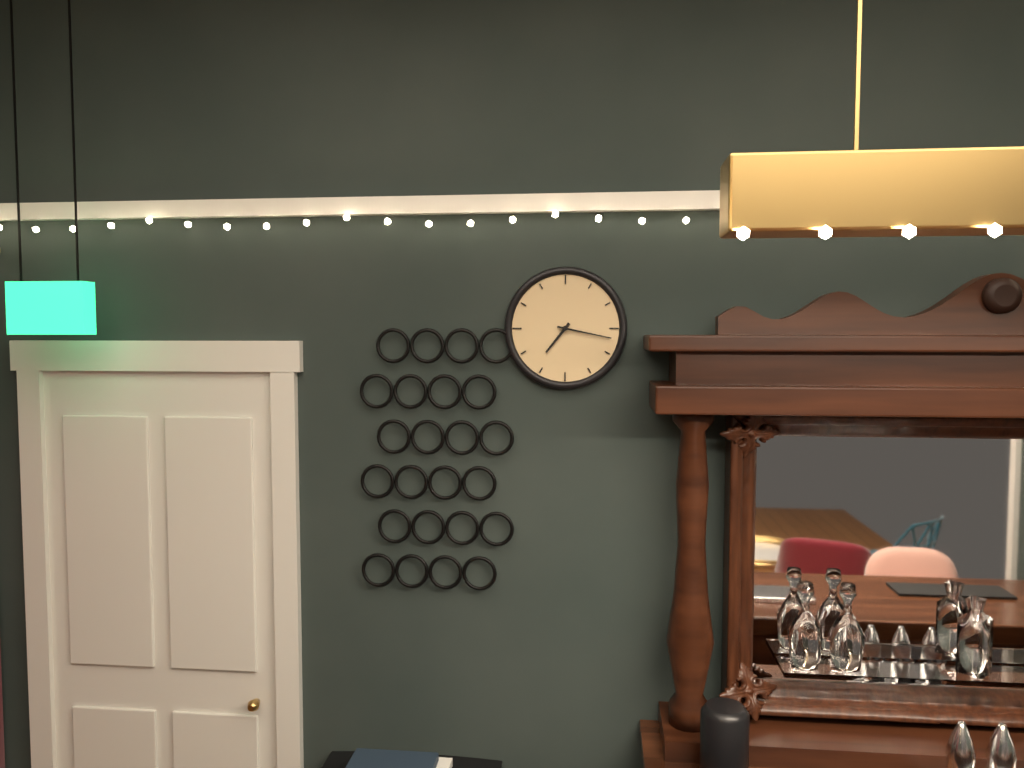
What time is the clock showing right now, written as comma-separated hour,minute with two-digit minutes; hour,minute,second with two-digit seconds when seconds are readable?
7,17
